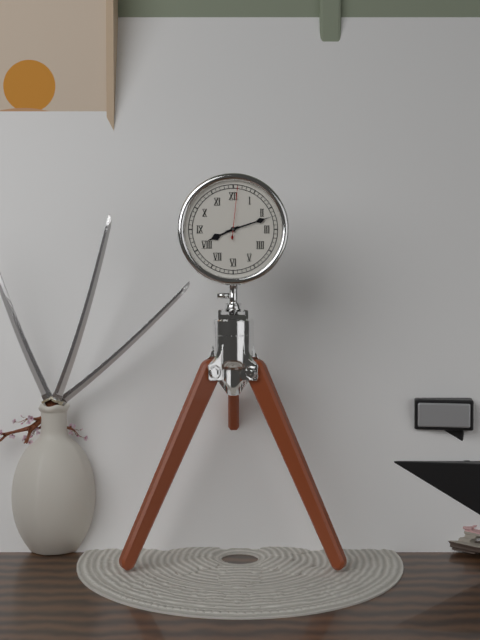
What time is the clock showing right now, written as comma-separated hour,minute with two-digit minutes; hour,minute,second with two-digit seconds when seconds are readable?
8,12,01
